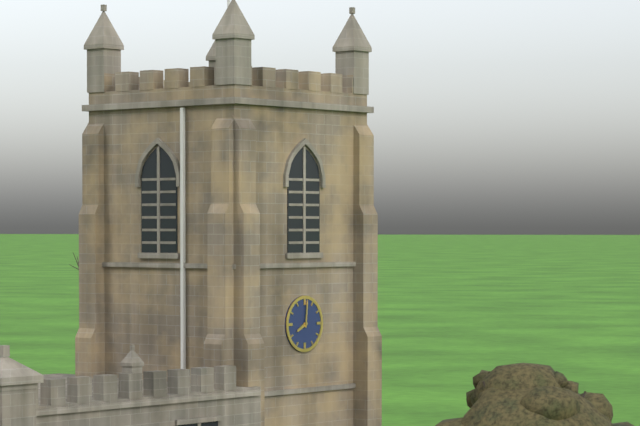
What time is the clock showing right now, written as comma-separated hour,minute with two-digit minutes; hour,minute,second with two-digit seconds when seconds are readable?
8,01
